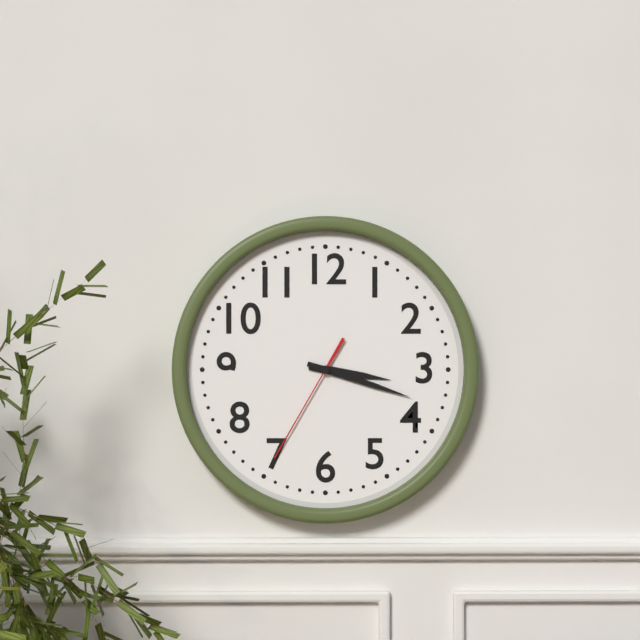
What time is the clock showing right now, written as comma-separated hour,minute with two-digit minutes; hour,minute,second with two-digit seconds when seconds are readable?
3,18,35
